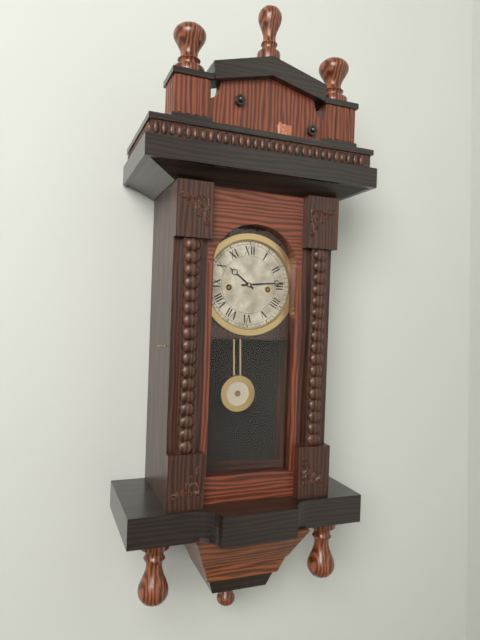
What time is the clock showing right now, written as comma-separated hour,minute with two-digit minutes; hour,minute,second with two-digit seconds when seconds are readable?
10,14
